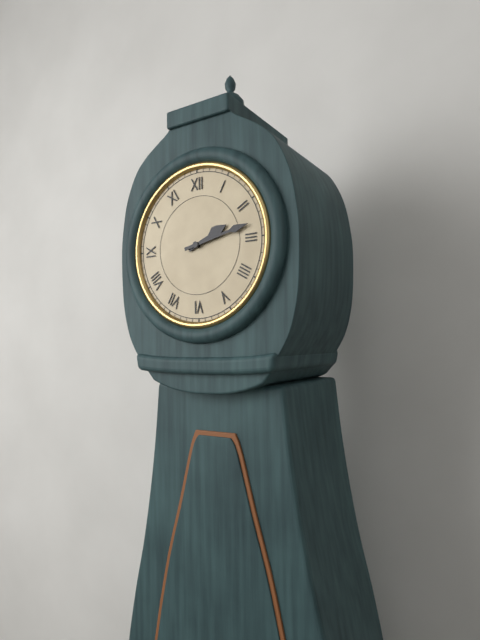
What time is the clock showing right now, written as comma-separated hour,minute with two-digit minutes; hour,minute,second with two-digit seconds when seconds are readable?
2,13
